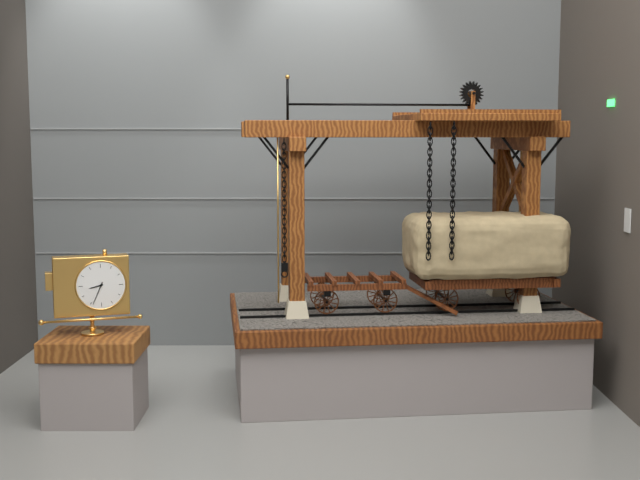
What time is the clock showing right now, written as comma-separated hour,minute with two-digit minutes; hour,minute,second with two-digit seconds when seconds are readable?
8,34
